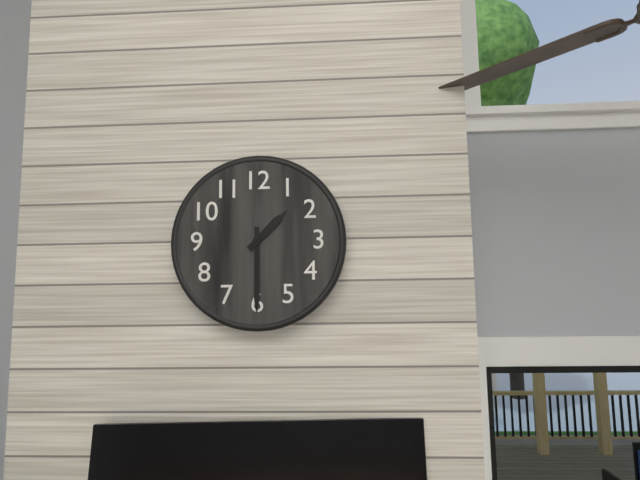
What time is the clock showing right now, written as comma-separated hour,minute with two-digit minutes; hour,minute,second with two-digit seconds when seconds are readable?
1,30
